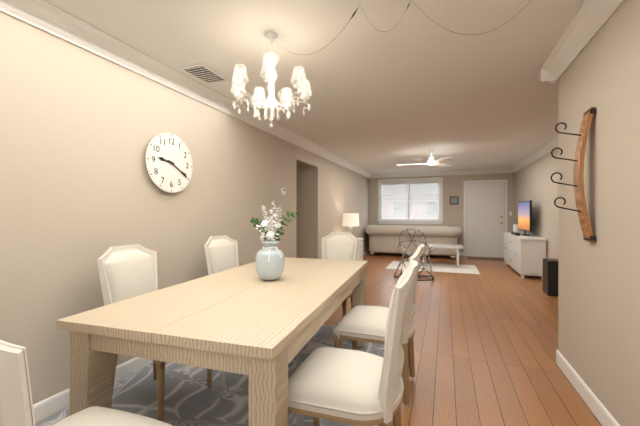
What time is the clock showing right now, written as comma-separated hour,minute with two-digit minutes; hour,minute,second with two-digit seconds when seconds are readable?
9,20
